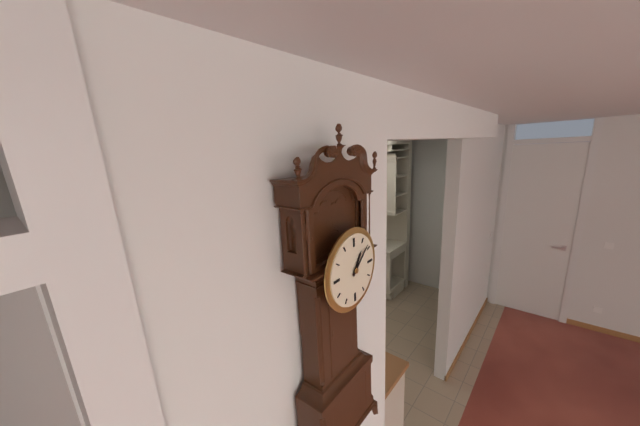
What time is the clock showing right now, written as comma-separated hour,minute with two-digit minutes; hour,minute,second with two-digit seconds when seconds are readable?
1,08
